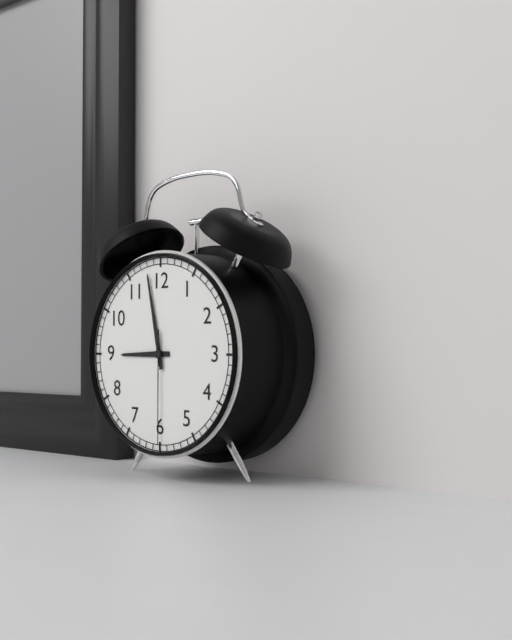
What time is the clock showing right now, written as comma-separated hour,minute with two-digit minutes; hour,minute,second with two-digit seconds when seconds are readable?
8,58,30
